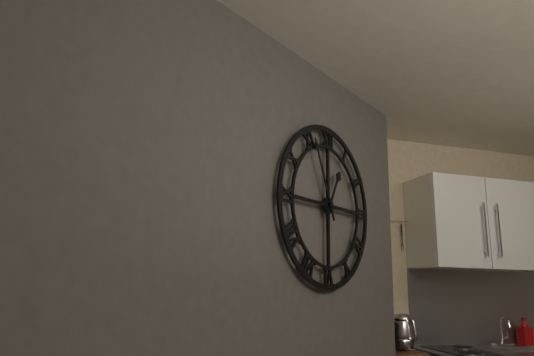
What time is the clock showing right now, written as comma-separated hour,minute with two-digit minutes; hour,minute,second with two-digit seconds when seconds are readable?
12,56
